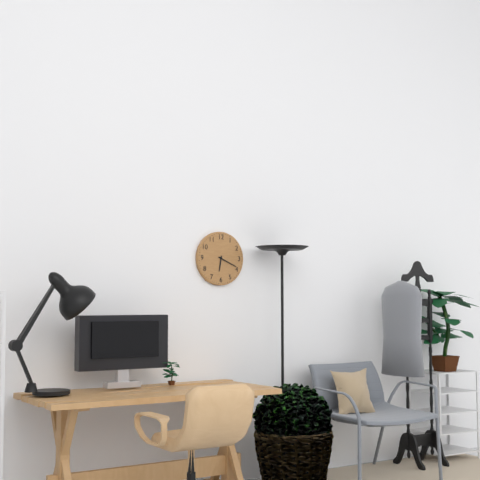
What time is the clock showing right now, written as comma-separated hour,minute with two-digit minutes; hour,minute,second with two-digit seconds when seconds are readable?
6,19
